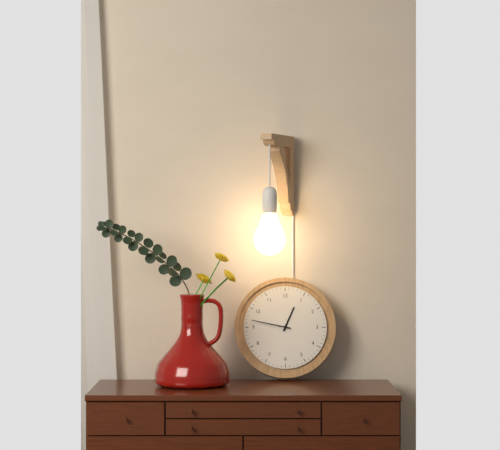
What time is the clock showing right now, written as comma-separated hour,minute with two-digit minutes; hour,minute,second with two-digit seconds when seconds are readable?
12,47
